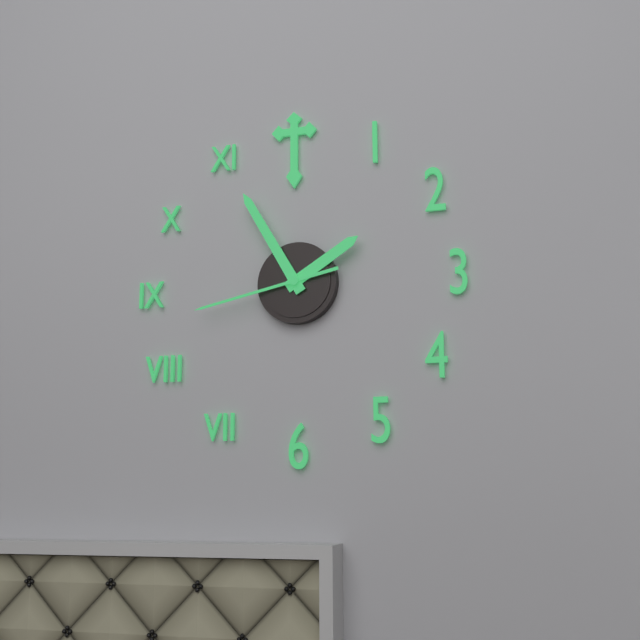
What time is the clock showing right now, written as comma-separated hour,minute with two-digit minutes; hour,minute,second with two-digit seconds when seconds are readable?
1,55,43
